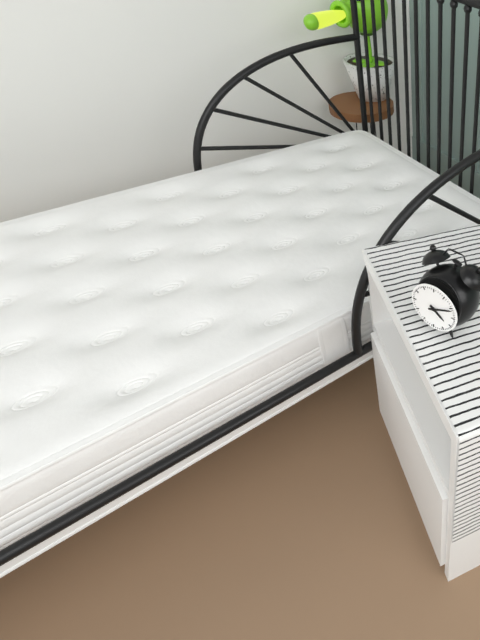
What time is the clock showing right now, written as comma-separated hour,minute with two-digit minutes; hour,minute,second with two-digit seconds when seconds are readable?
4,11
